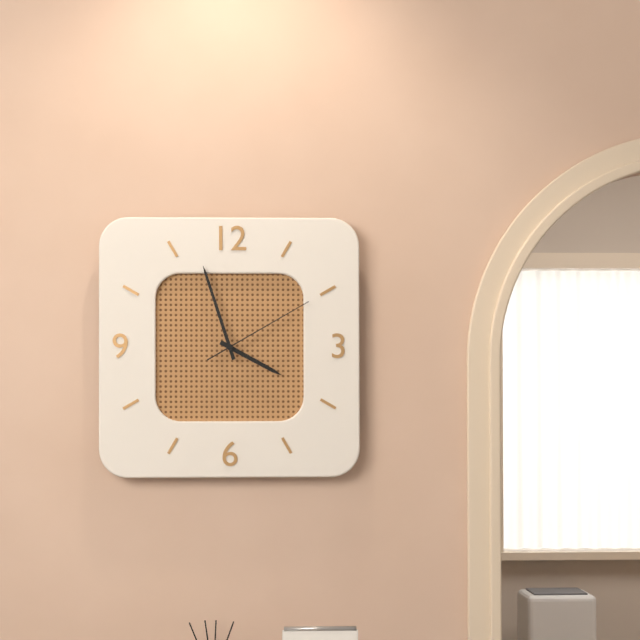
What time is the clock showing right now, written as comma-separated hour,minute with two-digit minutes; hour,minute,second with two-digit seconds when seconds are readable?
3,57,10
